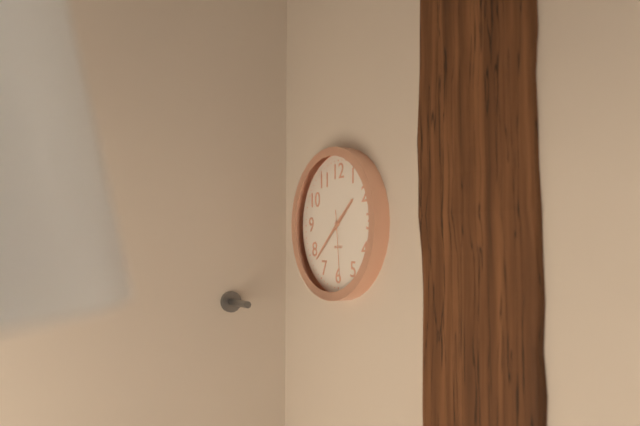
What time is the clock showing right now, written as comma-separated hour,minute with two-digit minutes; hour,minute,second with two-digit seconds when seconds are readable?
1,38,29
